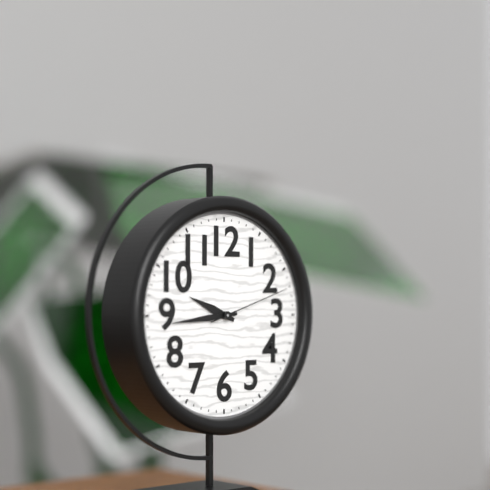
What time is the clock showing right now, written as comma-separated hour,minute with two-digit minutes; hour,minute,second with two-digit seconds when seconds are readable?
9,44,12
